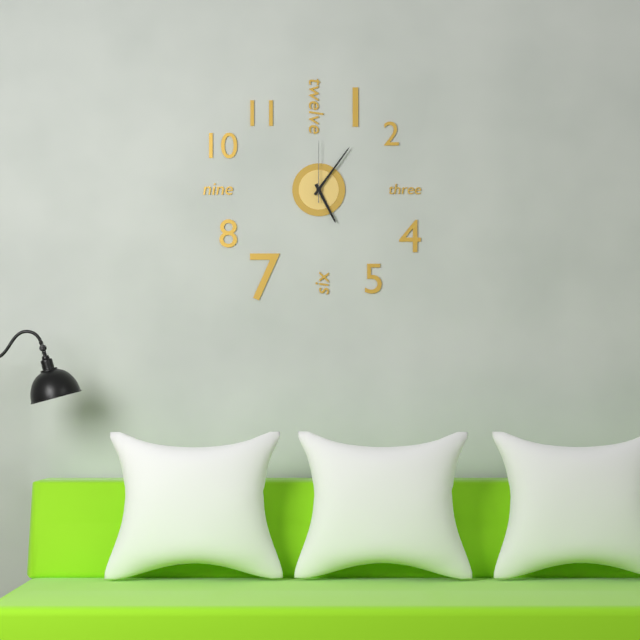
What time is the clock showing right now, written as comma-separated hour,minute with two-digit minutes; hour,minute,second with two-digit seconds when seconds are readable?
5,06,00
